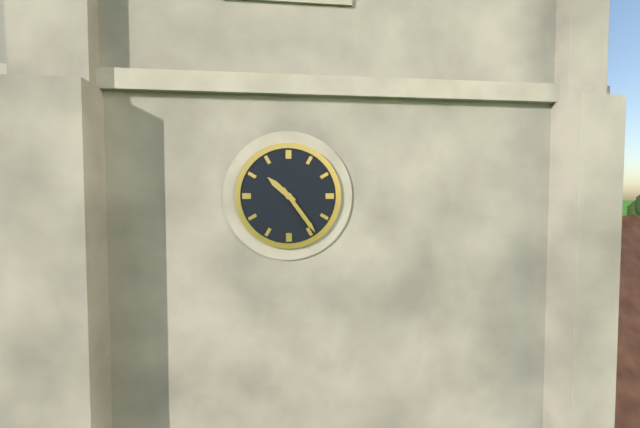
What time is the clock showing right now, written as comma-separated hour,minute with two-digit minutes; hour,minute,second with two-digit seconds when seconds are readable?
10,24
